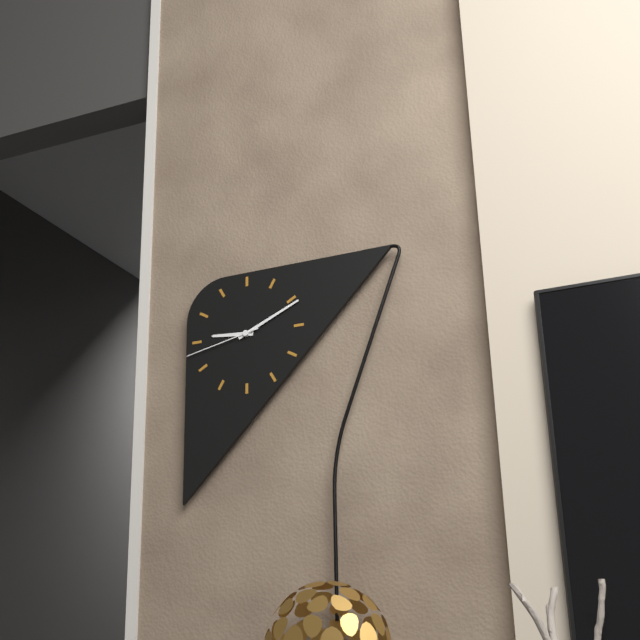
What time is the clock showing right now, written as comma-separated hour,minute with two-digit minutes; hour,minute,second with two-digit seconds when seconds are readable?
9,11,43
